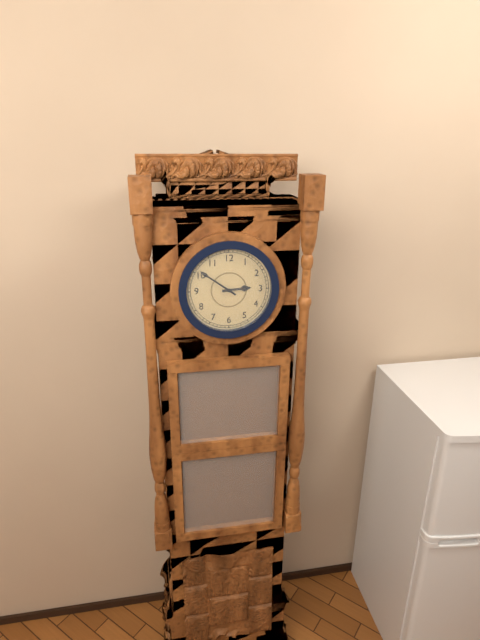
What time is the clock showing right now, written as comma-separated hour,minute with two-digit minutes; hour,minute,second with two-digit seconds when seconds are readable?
2,51
